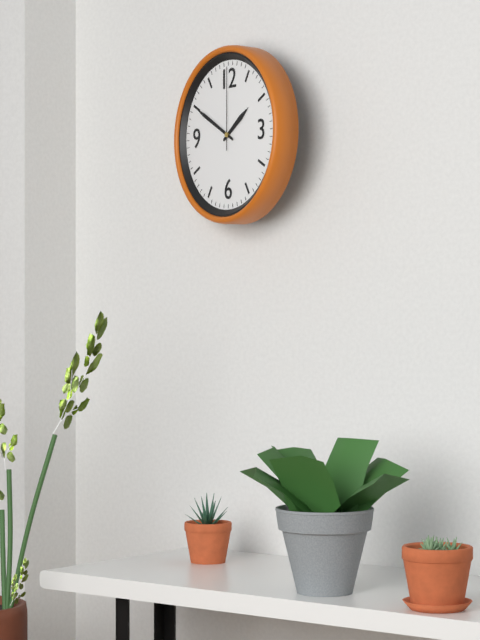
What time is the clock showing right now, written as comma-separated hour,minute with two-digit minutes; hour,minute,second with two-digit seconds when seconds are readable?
1,50,00
